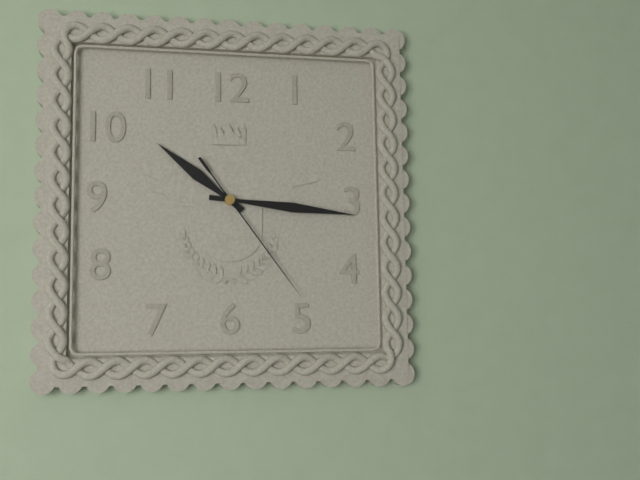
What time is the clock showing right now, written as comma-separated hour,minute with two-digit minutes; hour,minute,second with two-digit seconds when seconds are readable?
10,16,24
